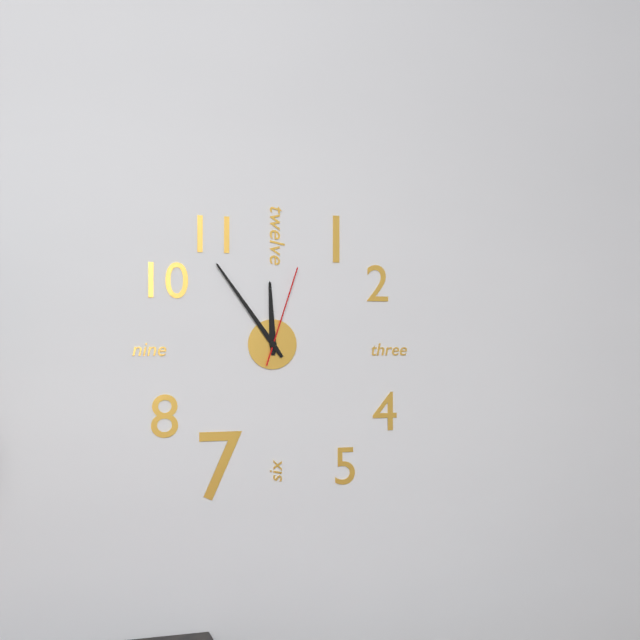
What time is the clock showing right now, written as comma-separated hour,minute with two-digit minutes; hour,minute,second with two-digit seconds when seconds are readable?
11,54,03
